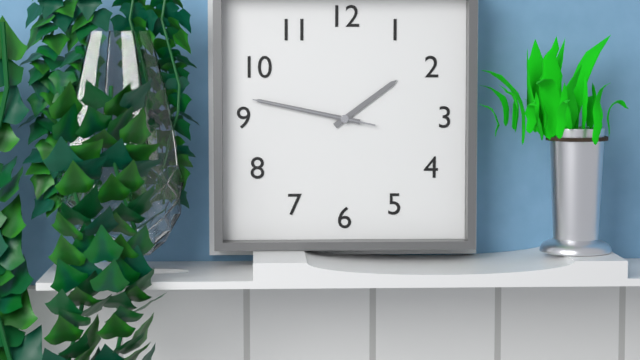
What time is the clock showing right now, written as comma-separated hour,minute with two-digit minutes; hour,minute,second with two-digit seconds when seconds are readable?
1,47,47
